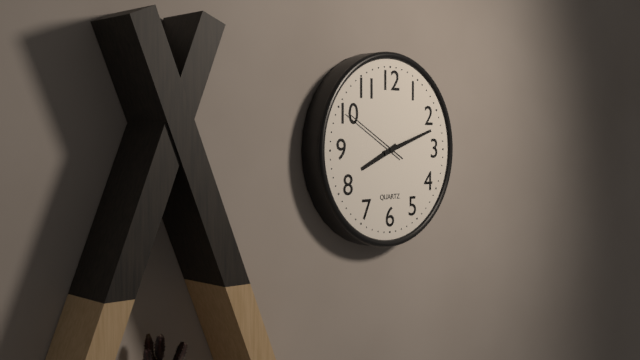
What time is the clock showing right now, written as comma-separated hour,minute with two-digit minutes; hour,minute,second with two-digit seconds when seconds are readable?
8,12,50
